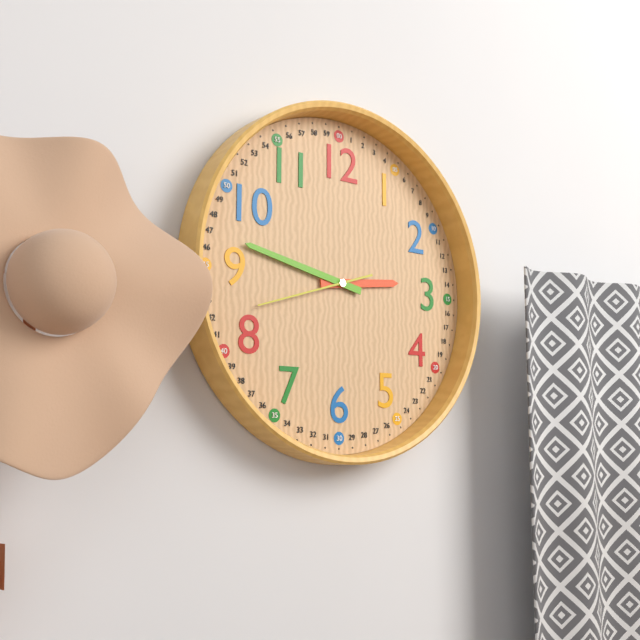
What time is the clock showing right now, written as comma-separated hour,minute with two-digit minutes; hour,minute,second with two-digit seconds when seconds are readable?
2,47,42
